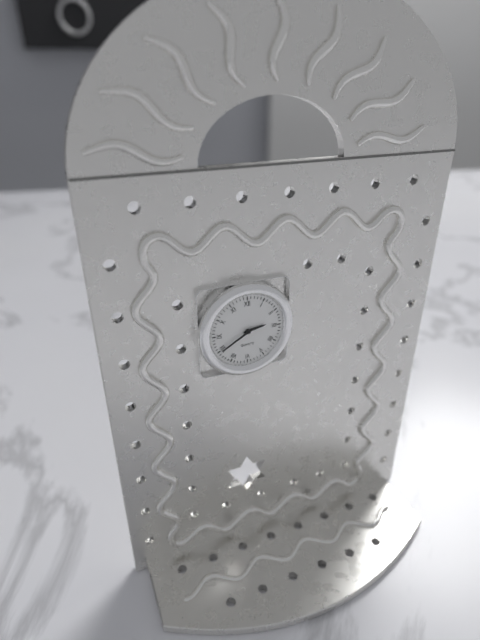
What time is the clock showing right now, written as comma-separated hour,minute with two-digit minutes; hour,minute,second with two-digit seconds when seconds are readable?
2,40
